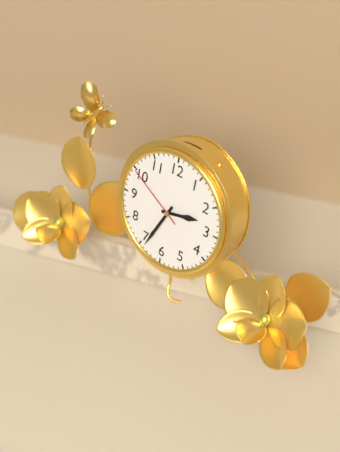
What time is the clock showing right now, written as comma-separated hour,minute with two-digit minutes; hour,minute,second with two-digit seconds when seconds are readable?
2,34,50
